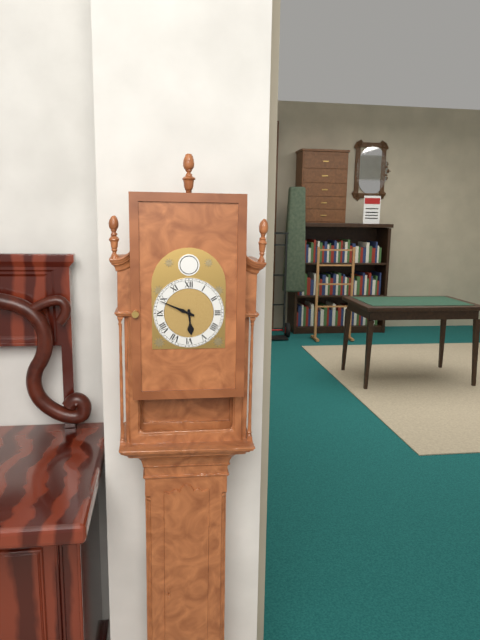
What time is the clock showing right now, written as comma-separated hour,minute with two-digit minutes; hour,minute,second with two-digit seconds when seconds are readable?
5,49
